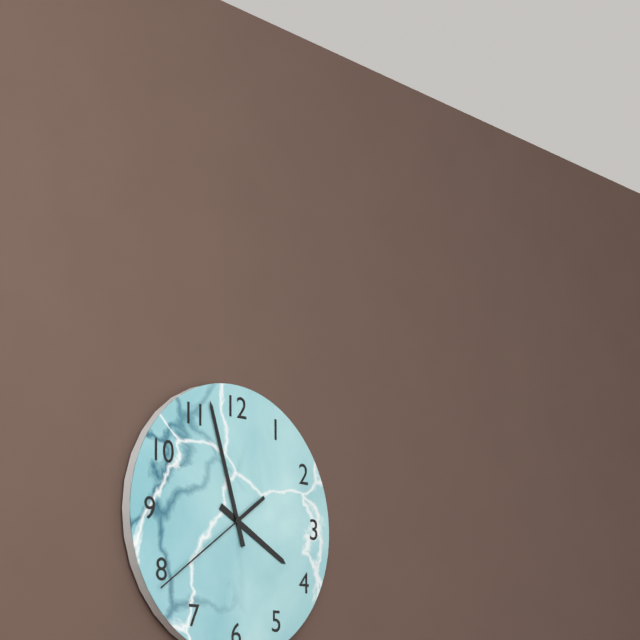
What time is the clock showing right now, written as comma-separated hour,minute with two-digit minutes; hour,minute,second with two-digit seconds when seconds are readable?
3,57,39
